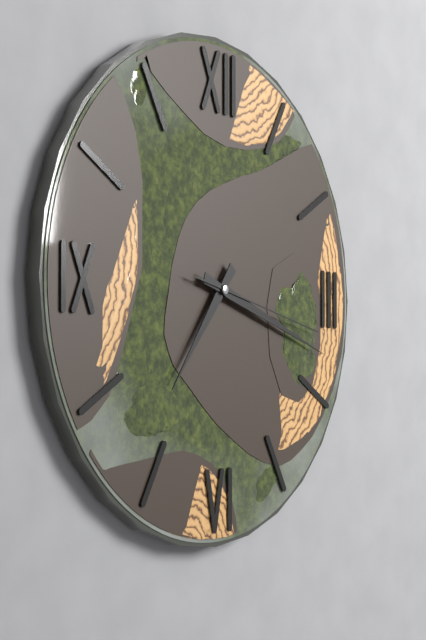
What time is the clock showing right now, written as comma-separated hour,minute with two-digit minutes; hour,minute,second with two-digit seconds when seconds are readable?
7,18,17
